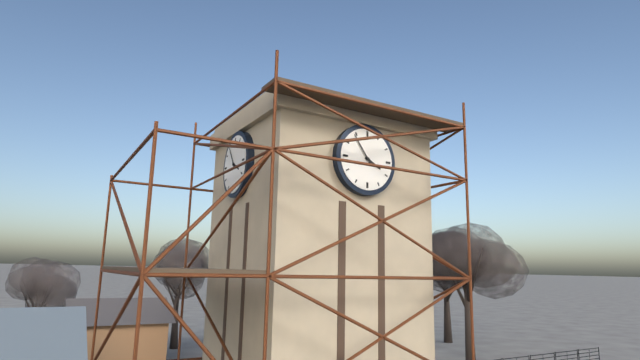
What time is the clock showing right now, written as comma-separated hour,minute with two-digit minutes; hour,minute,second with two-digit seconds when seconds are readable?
3,54
